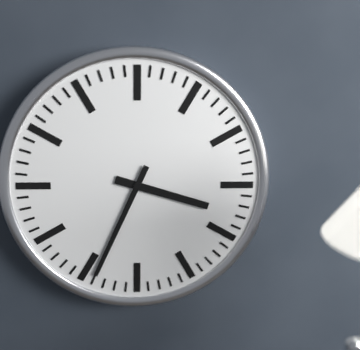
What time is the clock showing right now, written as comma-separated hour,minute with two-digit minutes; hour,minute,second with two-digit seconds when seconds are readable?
3,34
